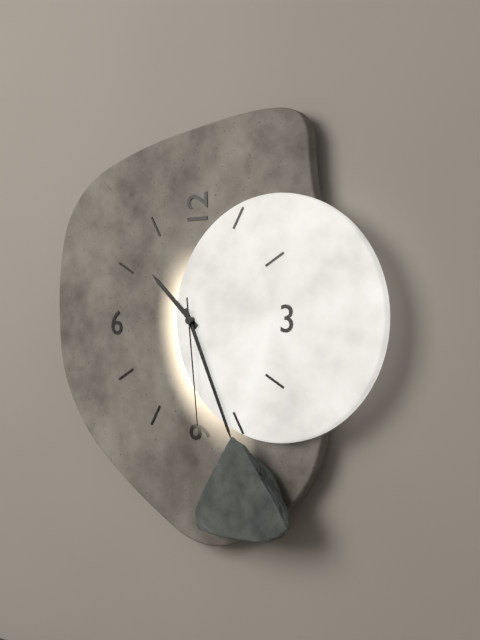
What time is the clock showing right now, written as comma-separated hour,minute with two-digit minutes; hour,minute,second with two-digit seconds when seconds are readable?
10,26,29
